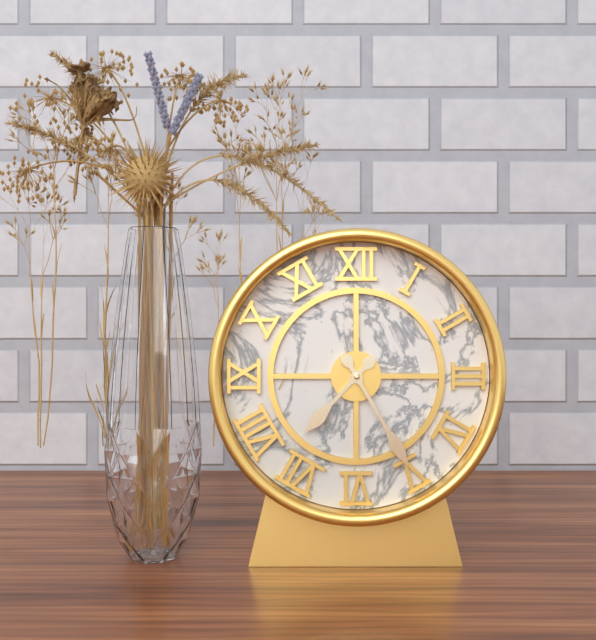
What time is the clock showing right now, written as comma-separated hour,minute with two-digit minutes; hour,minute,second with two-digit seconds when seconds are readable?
7,25
